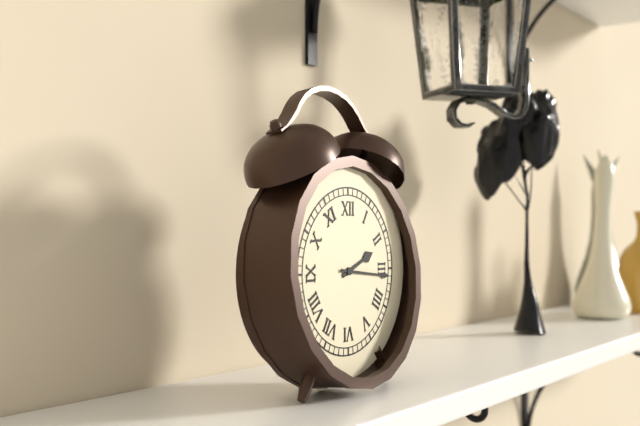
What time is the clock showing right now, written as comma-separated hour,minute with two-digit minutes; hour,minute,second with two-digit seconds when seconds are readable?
2,16
